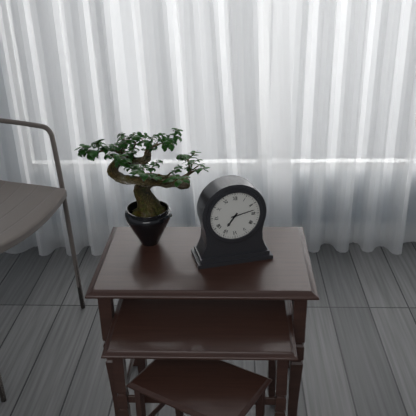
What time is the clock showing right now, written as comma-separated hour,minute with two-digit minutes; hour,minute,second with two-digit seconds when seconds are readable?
7,13
